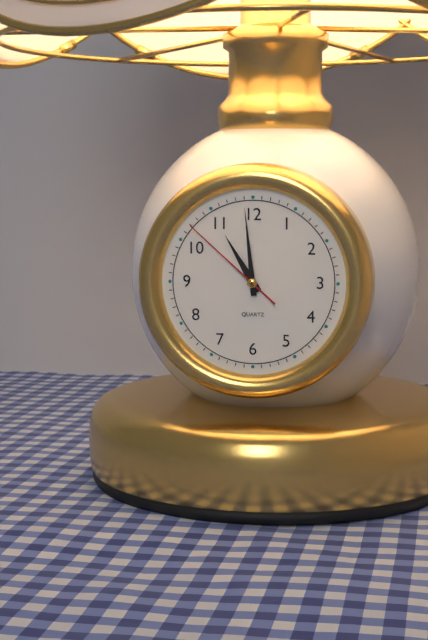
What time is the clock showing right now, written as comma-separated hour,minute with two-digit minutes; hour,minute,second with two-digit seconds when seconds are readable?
10,59,52
